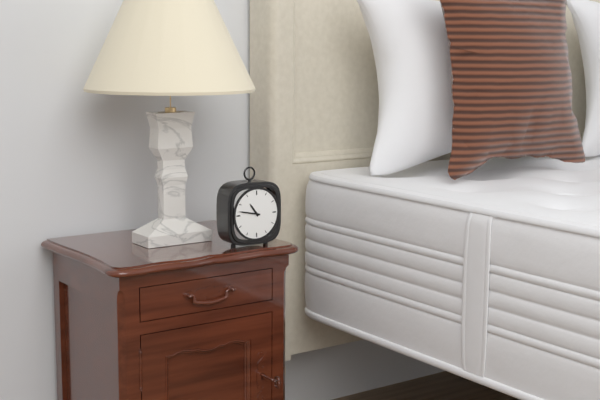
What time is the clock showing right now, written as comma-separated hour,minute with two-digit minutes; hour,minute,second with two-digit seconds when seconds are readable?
10,47
